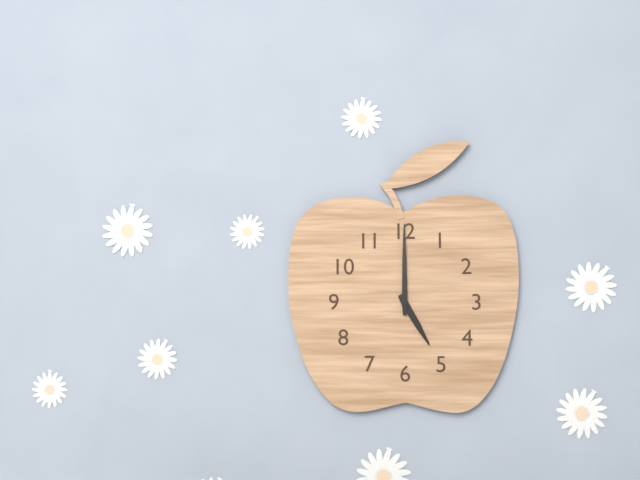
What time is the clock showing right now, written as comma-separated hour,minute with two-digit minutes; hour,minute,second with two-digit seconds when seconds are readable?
5,00
